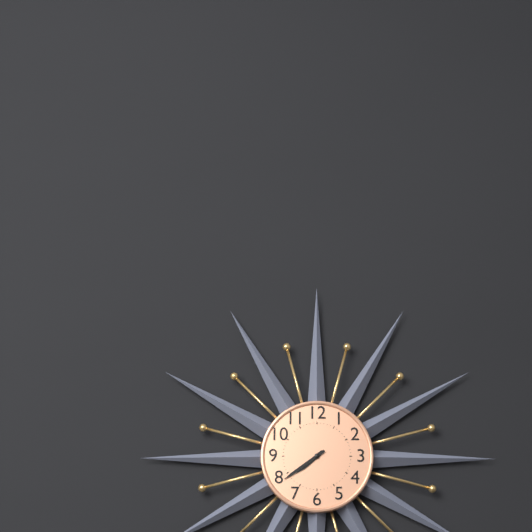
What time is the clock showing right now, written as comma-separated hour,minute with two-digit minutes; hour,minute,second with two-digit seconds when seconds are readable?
7,39
